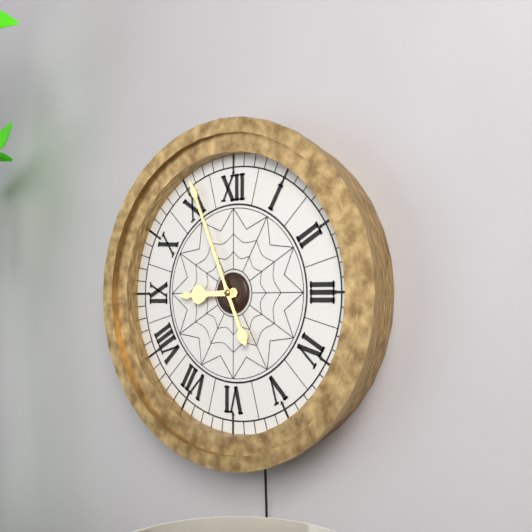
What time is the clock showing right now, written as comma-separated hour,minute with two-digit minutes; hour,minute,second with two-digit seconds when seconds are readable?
8,56
